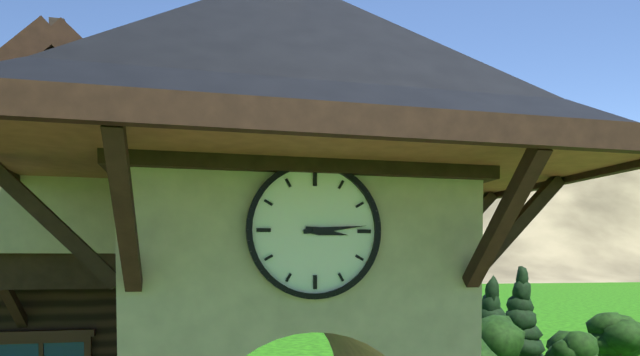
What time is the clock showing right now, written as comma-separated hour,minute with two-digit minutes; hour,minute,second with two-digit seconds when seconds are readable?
3,14
